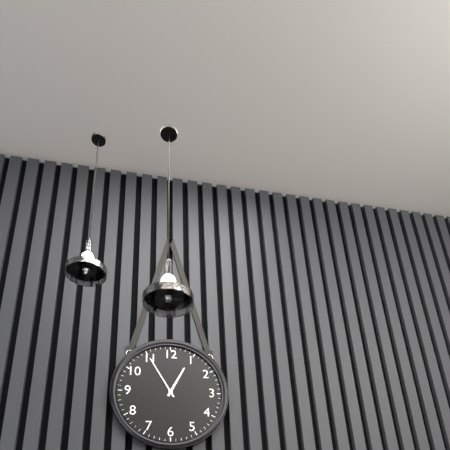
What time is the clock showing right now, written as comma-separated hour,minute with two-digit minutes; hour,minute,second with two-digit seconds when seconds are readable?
12,55
